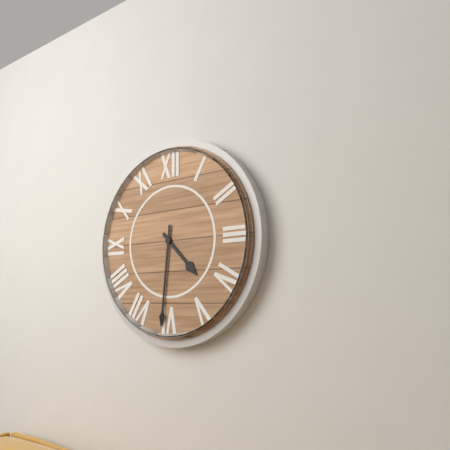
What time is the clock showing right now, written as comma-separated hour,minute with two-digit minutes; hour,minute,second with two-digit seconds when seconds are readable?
4,31
